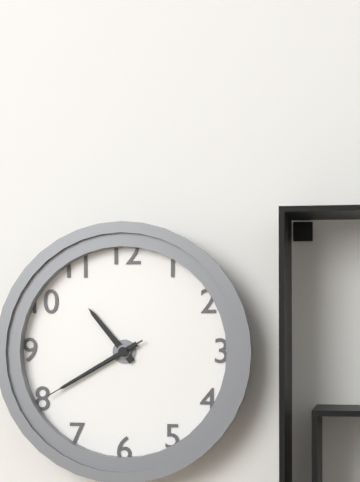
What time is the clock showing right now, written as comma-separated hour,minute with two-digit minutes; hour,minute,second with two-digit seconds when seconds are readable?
10,40,40
